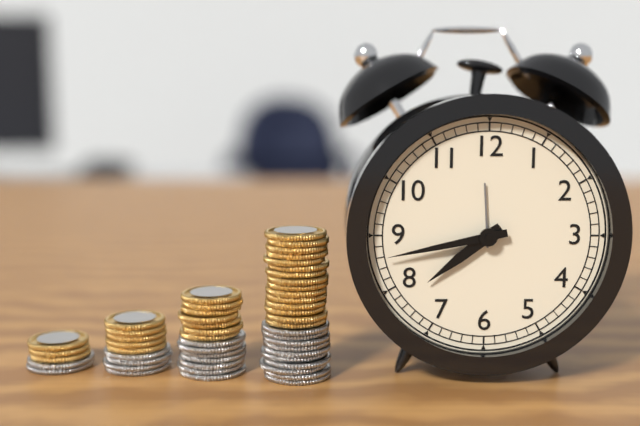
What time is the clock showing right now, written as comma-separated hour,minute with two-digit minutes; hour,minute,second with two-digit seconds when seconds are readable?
7,43
